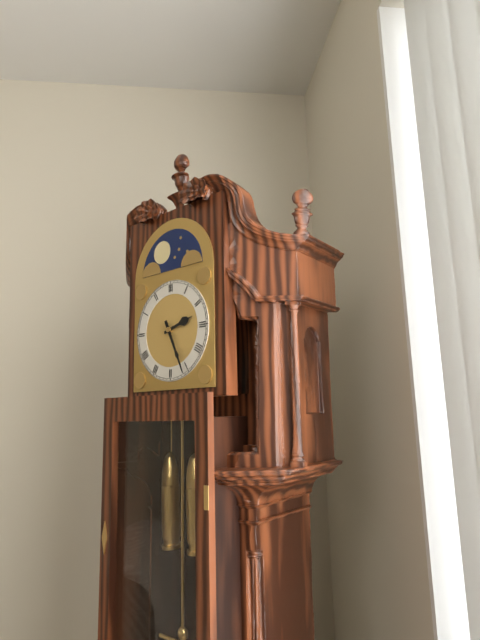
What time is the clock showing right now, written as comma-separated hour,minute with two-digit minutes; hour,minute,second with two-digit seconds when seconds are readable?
2,26
